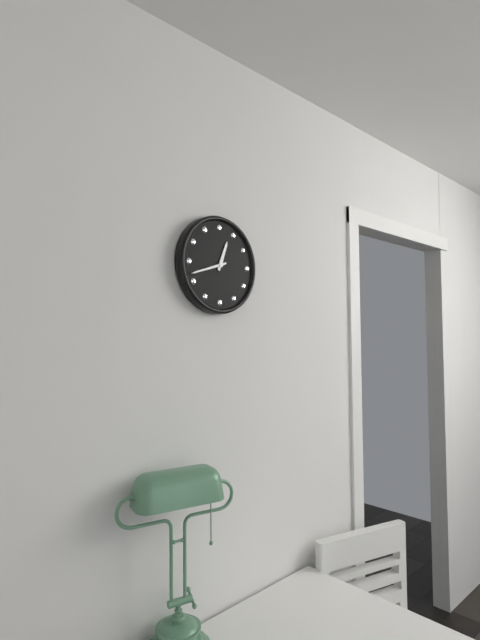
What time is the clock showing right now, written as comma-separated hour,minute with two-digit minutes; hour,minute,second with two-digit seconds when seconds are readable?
12,42
